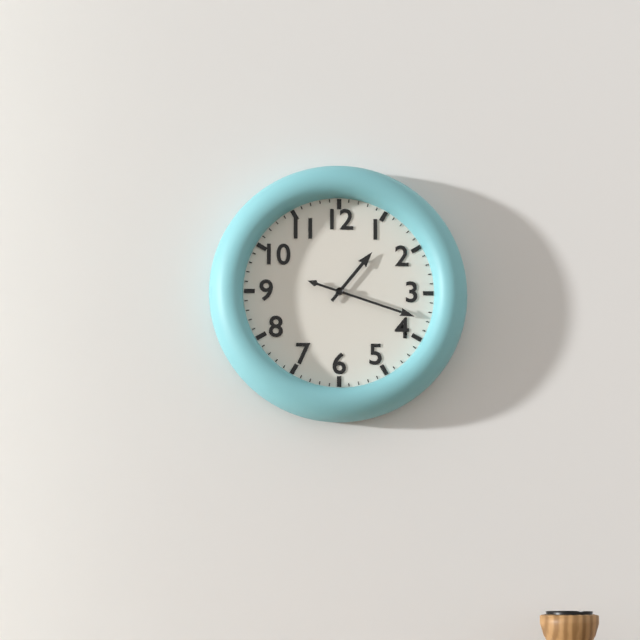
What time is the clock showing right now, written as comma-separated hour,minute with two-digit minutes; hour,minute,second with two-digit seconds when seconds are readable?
1,18
